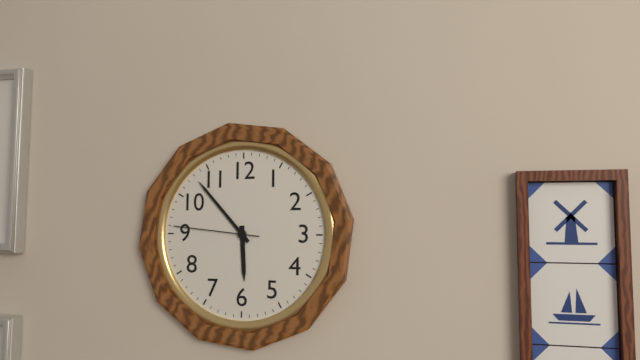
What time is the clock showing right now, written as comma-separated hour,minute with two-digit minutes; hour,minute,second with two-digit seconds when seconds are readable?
5,53,46
